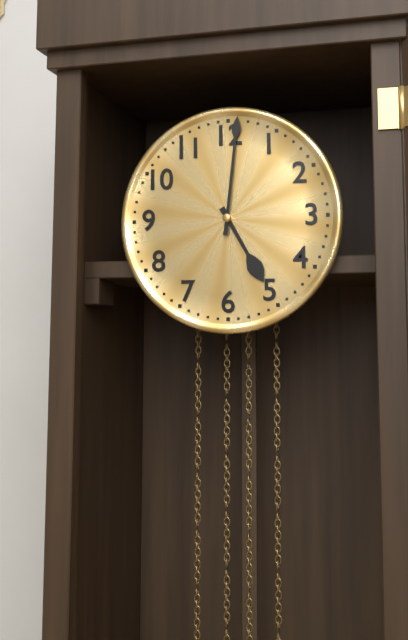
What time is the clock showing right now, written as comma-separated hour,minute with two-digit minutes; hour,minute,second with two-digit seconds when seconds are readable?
5,01
